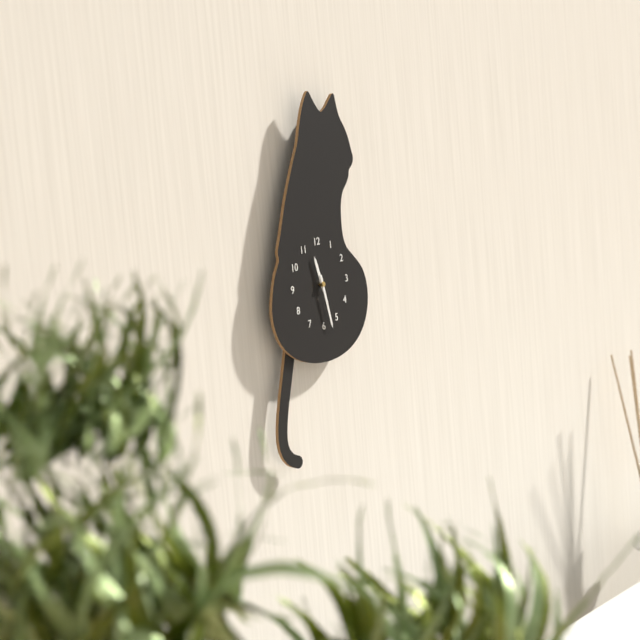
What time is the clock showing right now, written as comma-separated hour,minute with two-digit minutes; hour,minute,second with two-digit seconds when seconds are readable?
11,28
